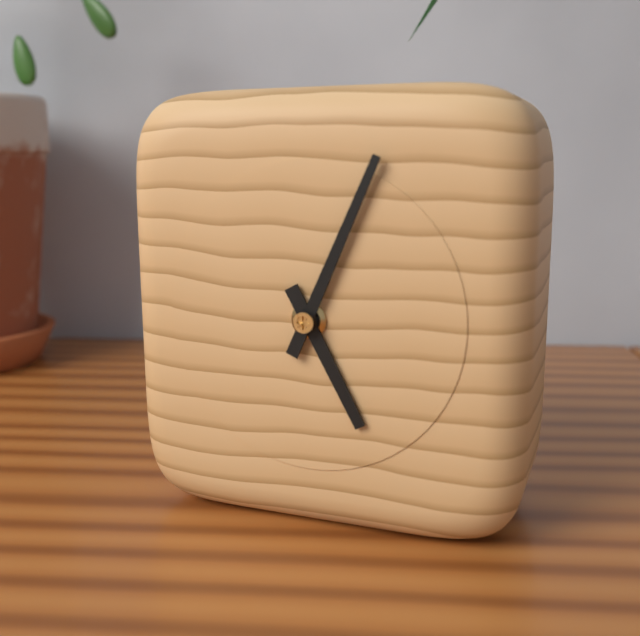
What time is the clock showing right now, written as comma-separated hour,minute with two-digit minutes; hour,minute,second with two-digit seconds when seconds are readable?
5,04
